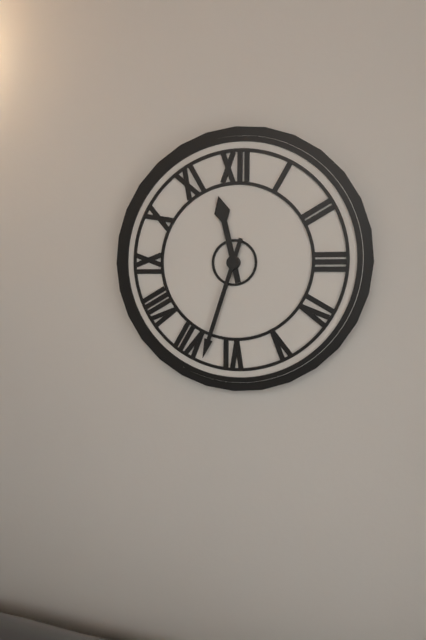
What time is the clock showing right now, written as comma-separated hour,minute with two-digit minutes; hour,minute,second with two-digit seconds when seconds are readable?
11,33
